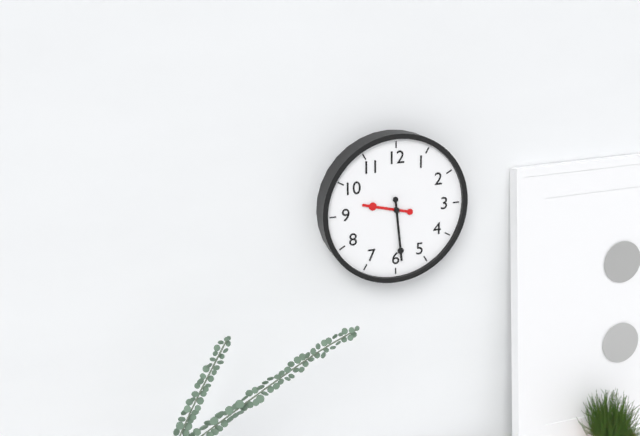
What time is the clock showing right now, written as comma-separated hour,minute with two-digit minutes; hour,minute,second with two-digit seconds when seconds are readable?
9,29
